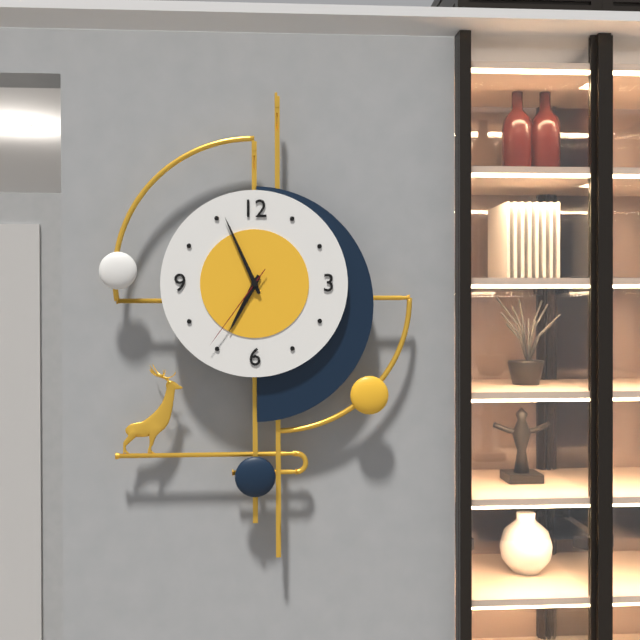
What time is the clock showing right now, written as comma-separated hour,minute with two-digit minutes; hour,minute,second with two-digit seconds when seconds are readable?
6,56,36
